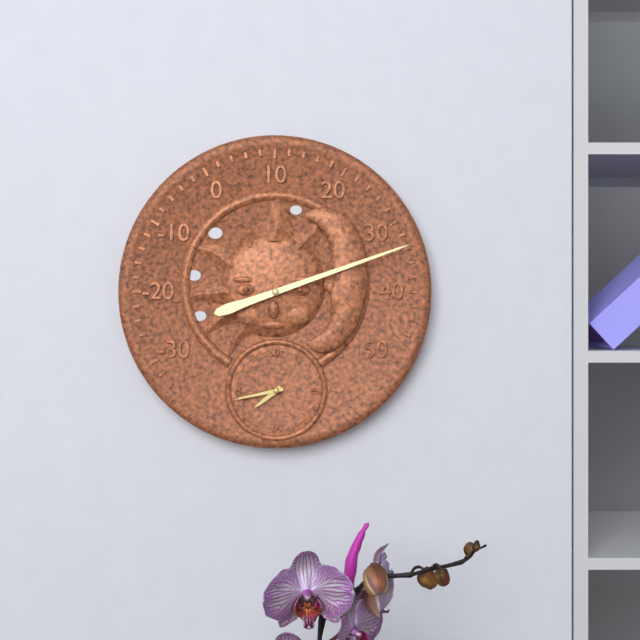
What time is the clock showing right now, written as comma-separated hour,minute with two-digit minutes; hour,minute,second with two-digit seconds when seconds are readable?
7,43
